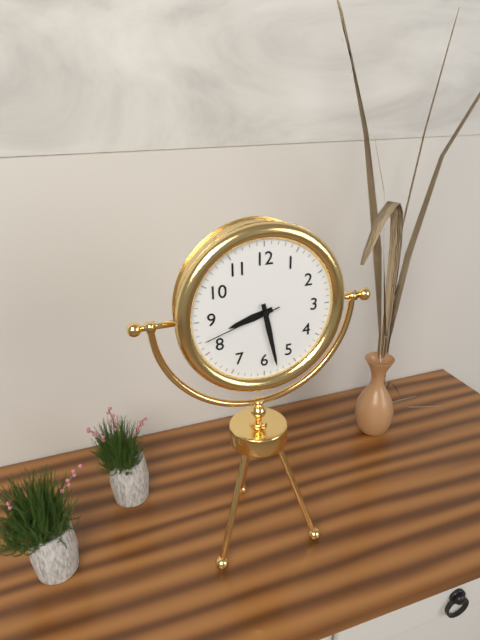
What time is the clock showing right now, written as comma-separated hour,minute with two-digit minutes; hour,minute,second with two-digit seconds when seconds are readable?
8,28,42
